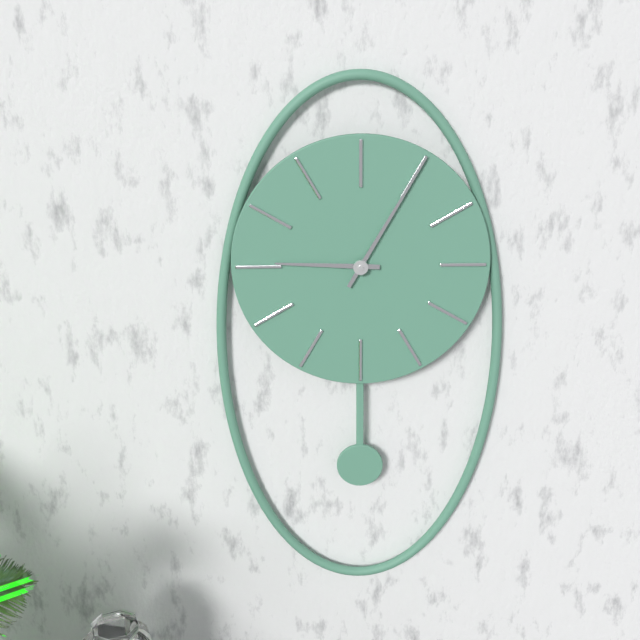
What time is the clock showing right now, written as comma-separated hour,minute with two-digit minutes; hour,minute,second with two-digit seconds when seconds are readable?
9,05
